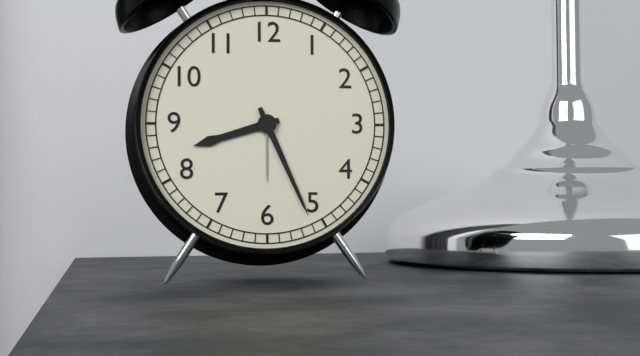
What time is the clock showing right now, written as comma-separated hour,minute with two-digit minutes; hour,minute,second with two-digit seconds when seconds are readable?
8,26
